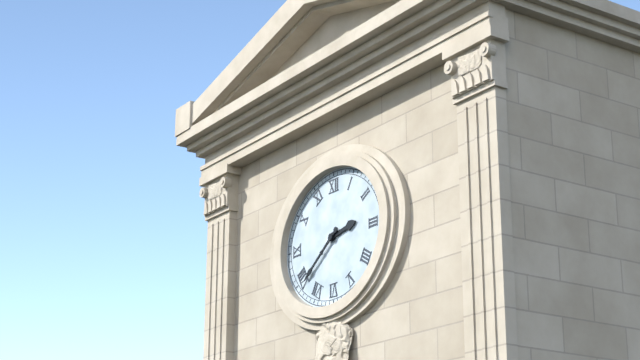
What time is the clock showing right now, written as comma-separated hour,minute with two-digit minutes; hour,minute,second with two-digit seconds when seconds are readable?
2,39
